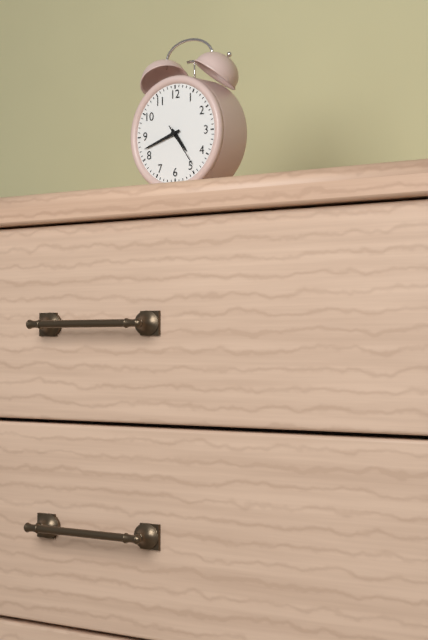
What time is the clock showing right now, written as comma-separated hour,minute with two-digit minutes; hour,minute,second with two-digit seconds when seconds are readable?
4,42
